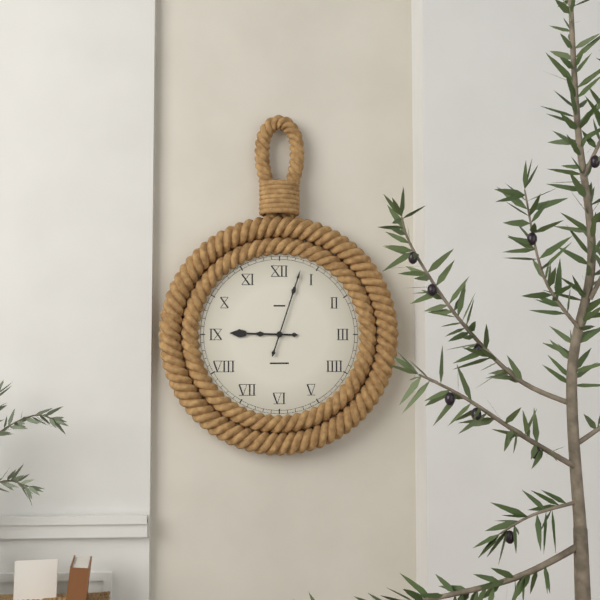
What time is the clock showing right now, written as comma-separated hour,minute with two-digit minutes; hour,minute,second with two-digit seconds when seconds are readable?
9,03
